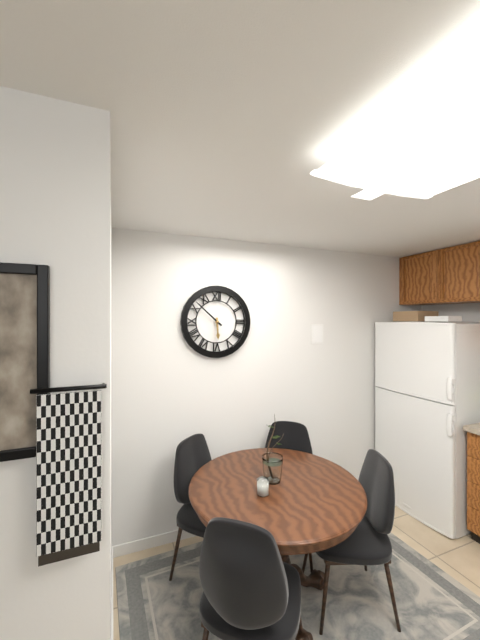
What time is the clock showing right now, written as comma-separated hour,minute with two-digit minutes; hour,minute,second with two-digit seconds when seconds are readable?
5,52
